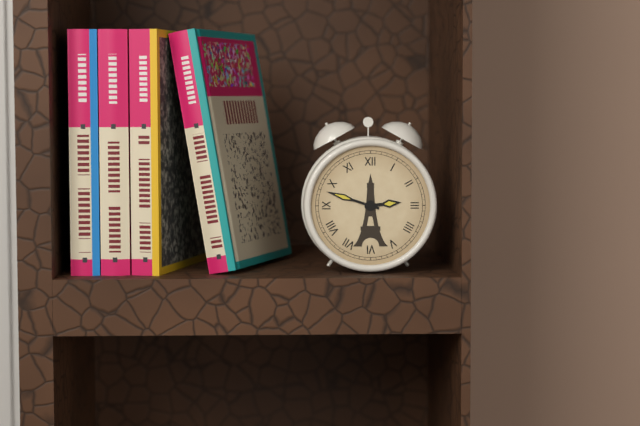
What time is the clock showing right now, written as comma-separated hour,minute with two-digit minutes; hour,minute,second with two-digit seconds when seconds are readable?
2,48
